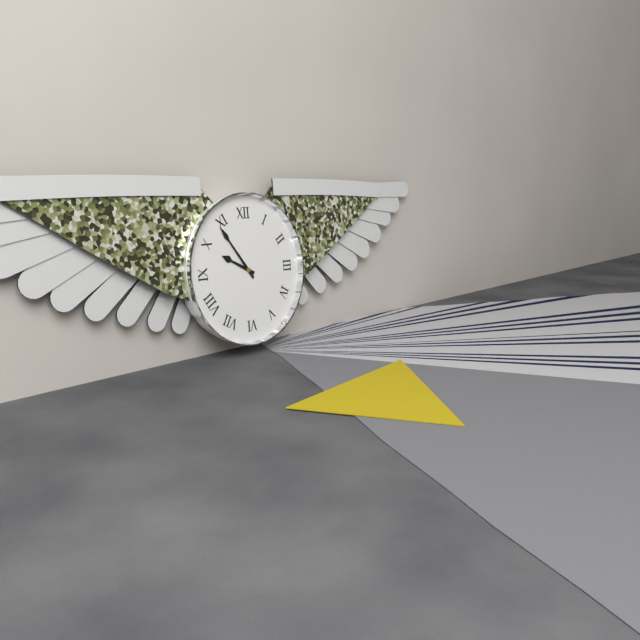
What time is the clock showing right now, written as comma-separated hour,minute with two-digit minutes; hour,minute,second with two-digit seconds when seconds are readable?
9,54
